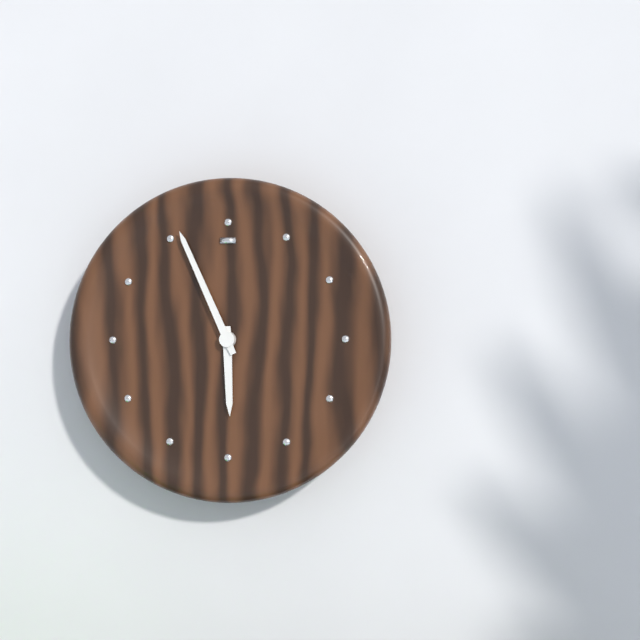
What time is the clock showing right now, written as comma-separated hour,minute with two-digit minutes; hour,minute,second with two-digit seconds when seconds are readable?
5,56
